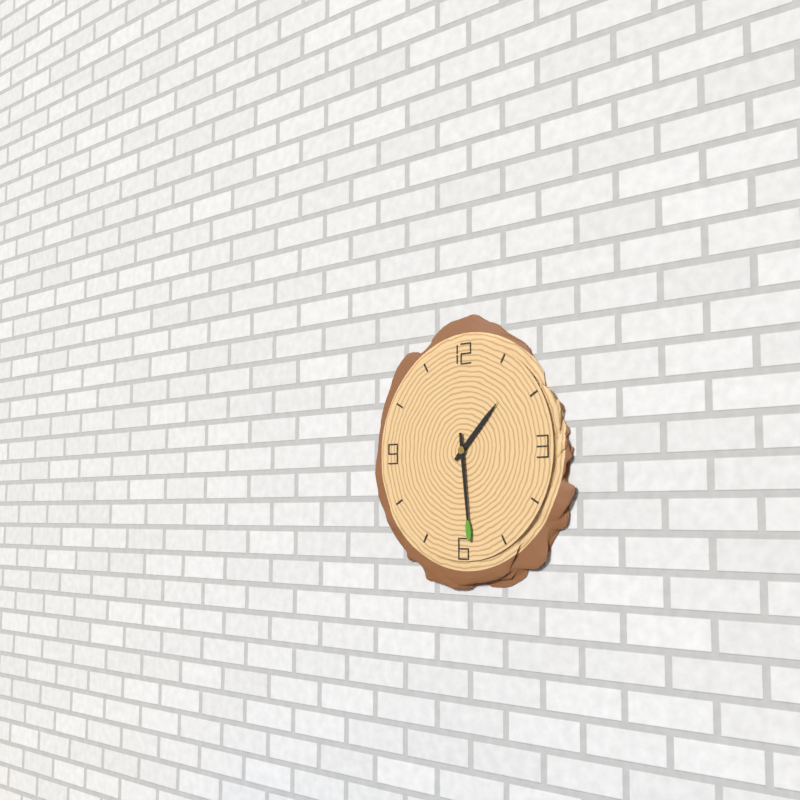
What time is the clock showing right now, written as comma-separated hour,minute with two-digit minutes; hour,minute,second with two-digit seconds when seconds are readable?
1,29
